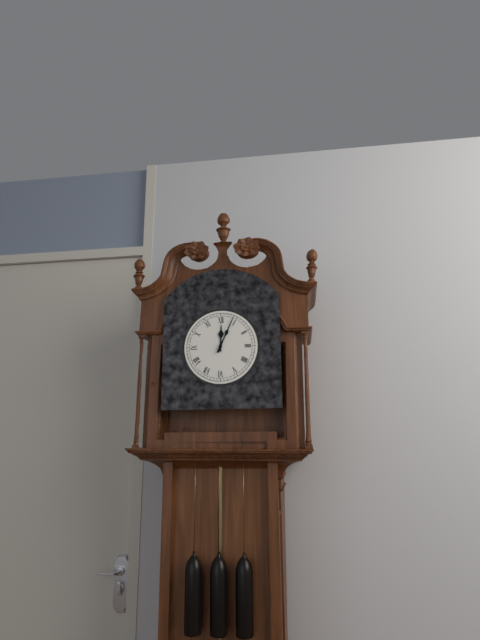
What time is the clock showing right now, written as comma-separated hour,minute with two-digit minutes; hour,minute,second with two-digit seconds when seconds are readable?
12,04
